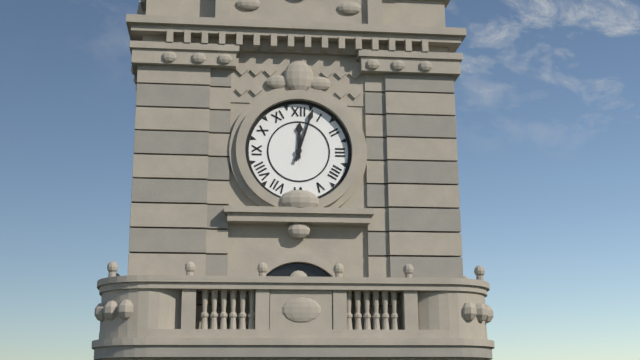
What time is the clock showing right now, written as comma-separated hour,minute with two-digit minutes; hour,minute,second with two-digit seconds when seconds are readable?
12,03
